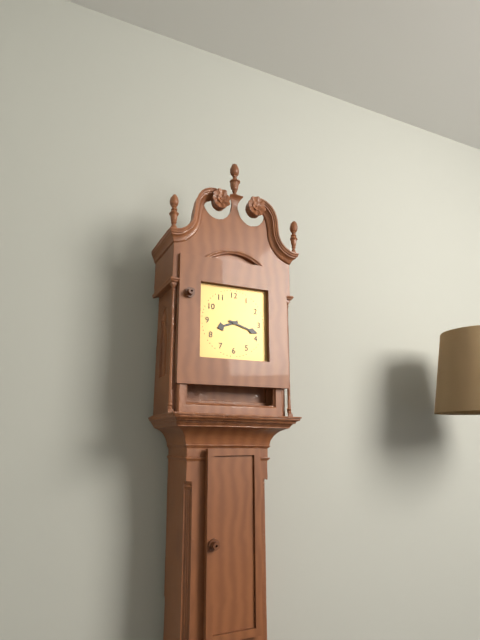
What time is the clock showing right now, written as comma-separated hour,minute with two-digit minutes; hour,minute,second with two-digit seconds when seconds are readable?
8,18
